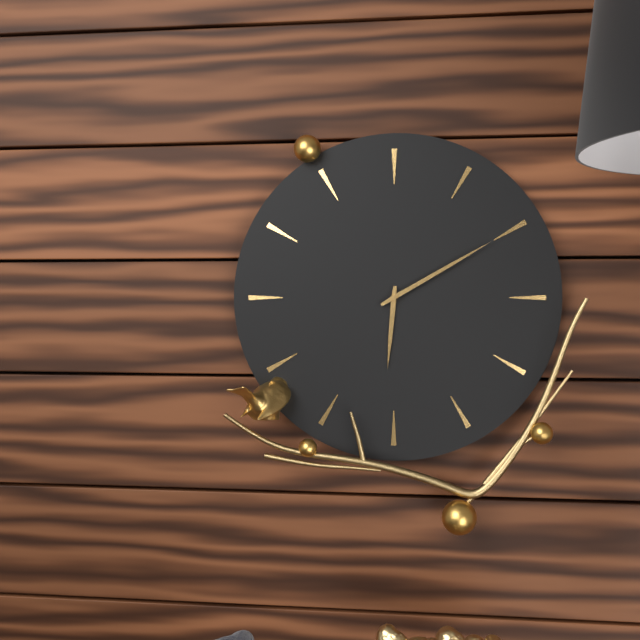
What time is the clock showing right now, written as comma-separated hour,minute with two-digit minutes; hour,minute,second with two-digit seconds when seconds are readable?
6,10
